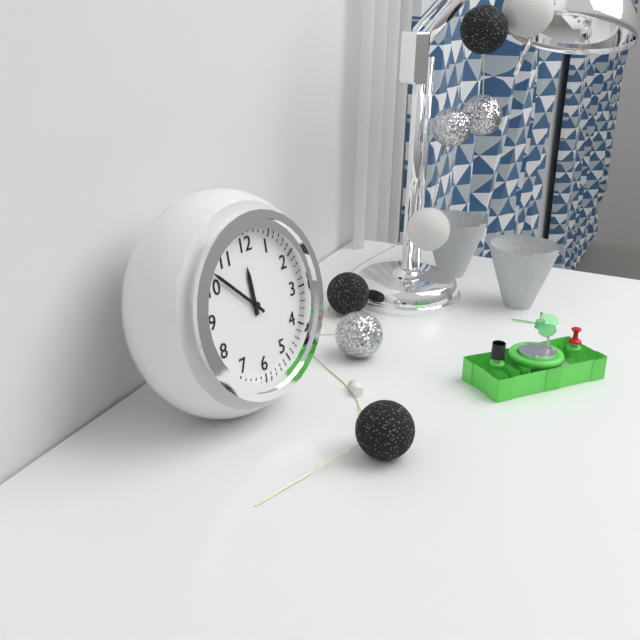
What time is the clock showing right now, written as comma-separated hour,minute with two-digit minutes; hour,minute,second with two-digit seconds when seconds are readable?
11,52
